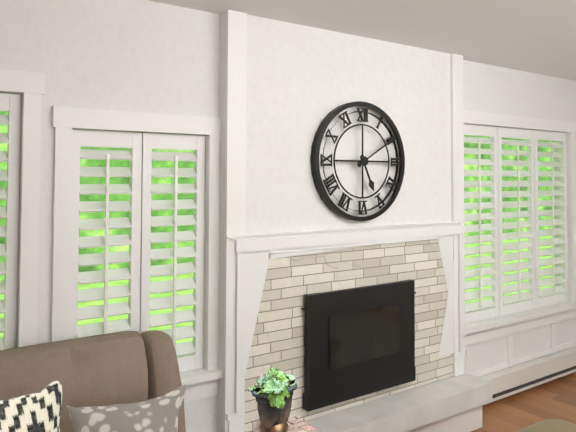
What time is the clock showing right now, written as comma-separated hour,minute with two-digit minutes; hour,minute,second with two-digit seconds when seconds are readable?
5,10
